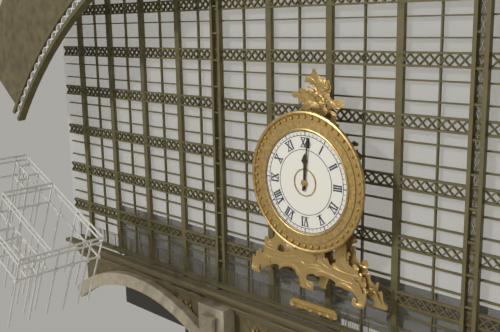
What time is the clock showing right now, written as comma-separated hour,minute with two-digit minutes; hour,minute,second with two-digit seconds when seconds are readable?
12,01
